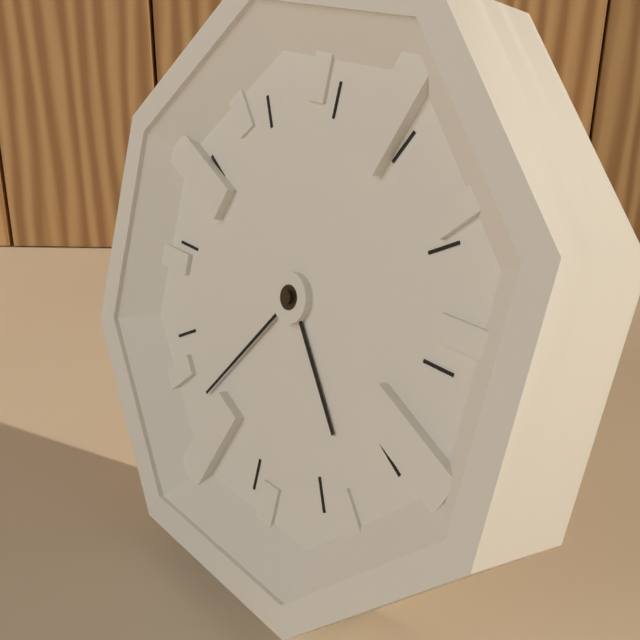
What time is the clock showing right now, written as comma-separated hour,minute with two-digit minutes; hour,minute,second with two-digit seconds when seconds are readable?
4,36
